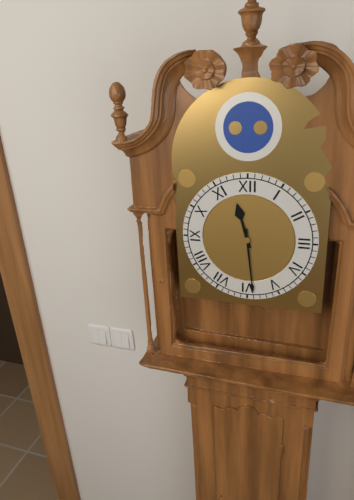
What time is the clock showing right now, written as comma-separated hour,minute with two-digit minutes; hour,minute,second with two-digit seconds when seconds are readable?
11,29
